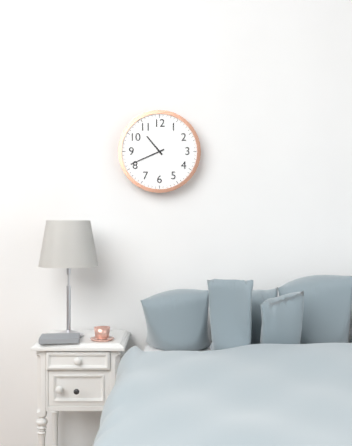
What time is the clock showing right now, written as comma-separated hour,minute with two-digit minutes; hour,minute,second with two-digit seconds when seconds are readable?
10,41
